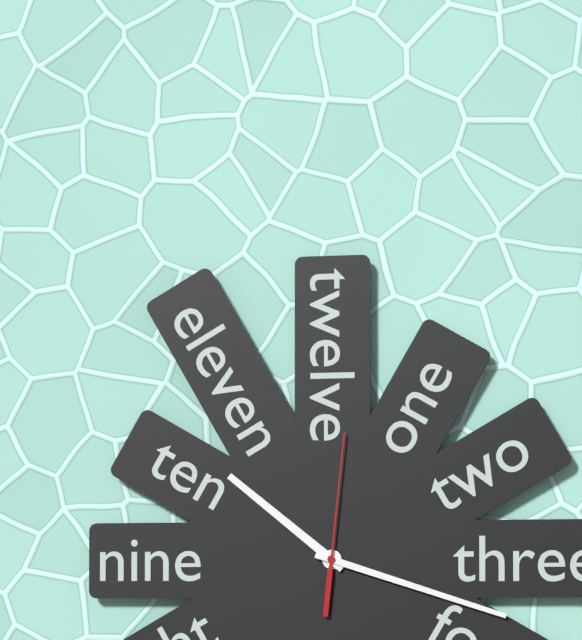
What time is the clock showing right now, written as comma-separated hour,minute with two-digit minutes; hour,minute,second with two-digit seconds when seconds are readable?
10,18,01
